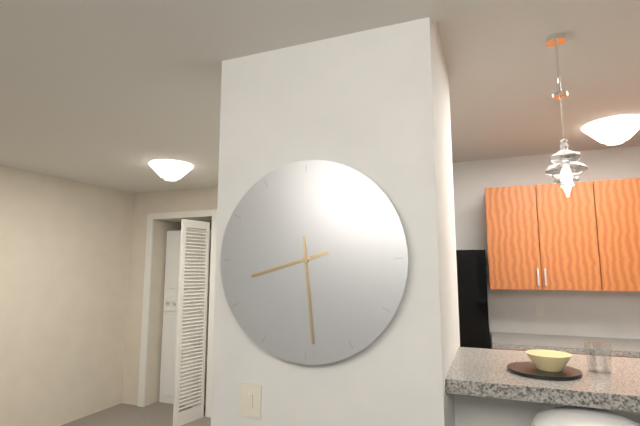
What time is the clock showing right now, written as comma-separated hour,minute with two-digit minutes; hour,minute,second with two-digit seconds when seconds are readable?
8,29
